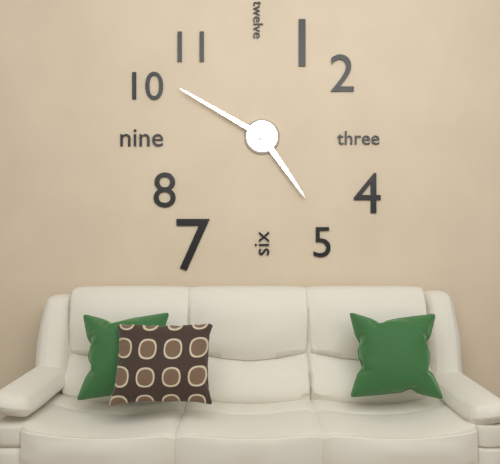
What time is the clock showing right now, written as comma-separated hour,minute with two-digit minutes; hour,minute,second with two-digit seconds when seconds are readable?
4,50
